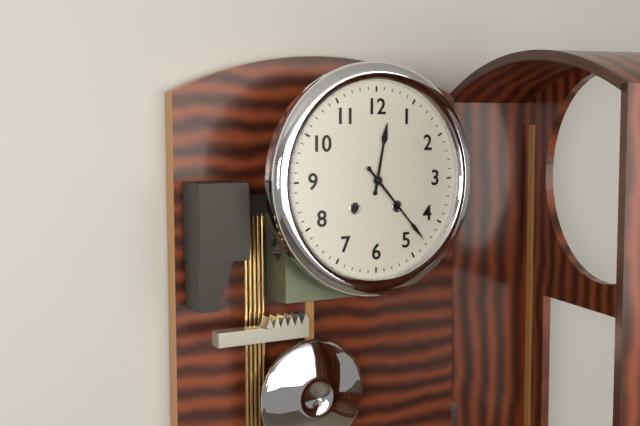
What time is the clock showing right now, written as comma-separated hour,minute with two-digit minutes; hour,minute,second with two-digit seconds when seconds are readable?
12,23
